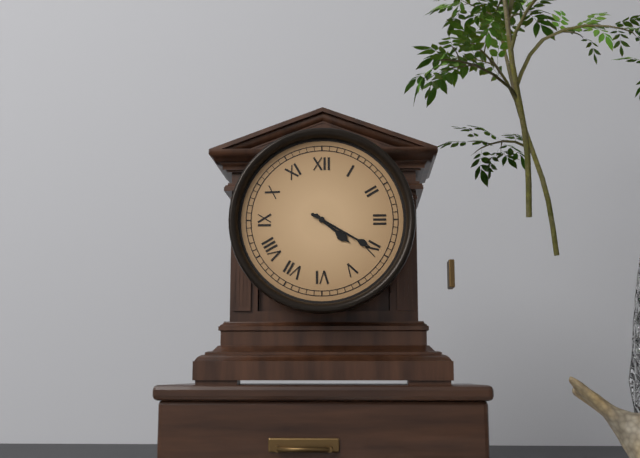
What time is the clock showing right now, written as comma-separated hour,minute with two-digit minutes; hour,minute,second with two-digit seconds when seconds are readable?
4,20
